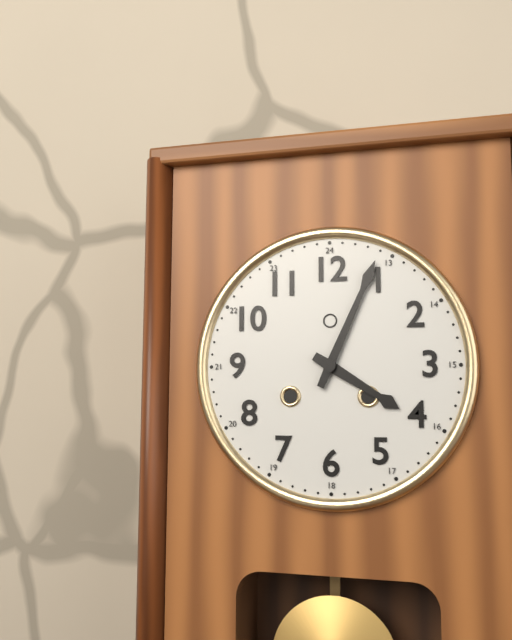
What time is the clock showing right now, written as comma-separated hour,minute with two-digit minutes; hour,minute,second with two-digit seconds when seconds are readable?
4,04
